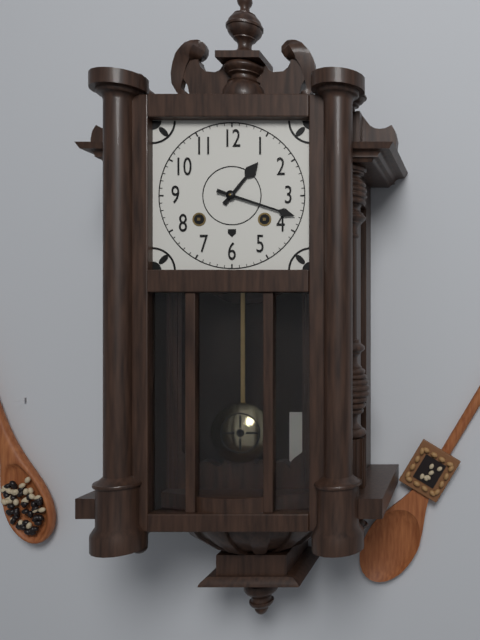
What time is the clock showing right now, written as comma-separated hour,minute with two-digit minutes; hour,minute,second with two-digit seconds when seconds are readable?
1,18
